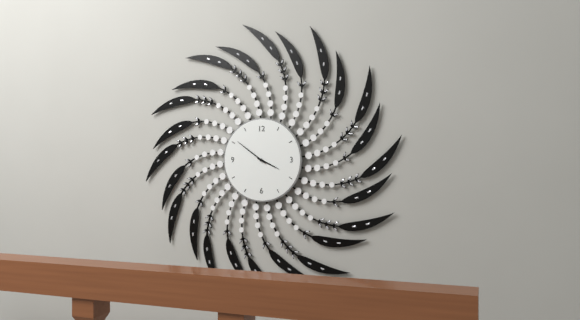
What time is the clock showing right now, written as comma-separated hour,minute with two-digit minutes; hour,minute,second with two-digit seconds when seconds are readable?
3,51
